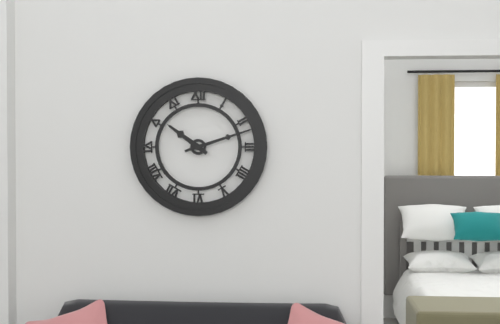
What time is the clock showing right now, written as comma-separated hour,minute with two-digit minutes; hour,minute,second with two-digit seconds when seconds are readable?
10,12
